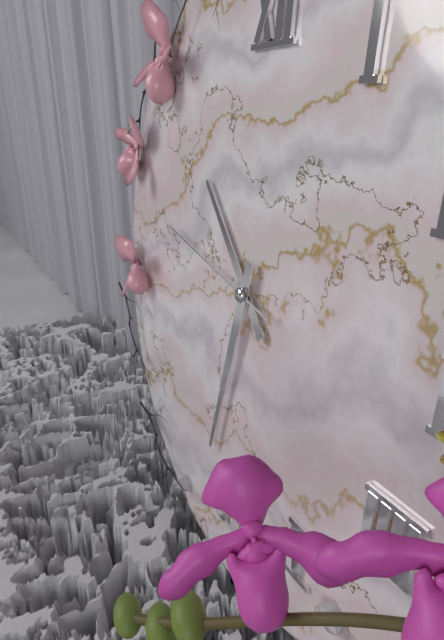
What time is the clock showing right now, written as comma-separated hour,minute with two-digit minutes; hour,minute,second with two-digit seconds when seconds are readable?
10,32,47
